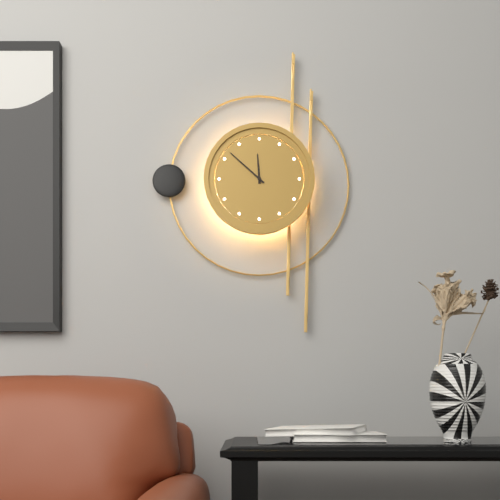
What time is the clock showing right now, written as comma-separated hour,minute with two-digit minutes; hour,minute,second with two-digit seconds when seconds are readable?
11,52
